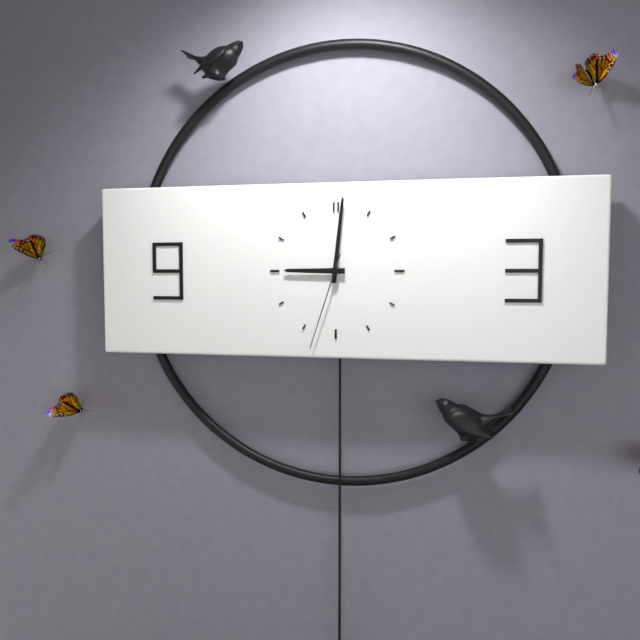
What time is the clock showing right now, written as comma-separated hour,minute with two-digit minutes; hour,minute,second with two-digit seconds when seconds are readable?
9,01,33
